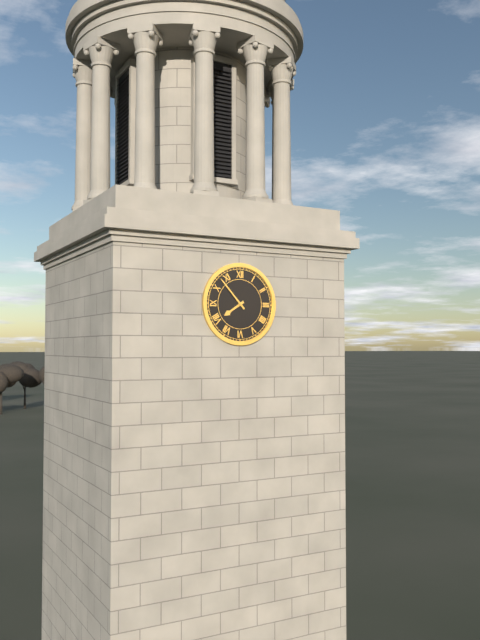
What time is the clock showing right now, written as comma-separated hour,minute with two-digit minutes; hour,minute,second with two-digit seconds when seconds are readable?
7,53
